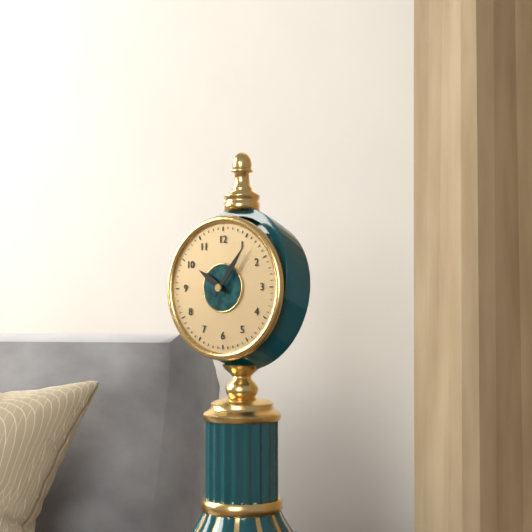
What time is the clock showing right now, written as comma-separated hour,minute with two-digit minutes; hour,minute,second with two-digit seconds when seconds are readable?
10,06
